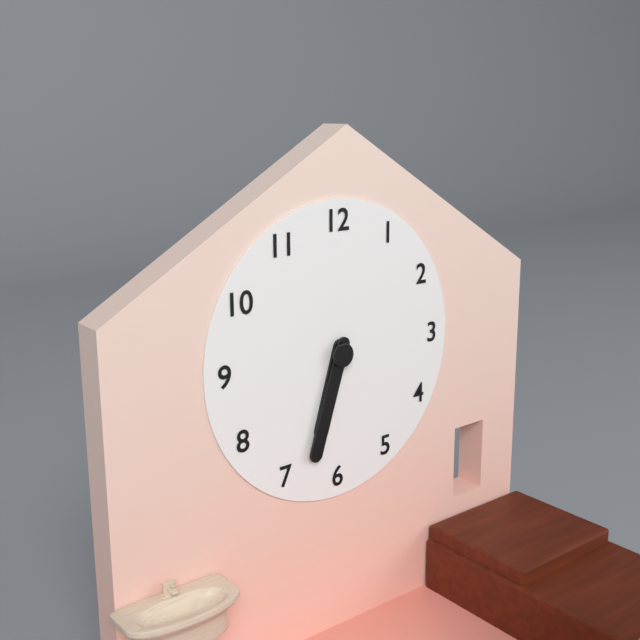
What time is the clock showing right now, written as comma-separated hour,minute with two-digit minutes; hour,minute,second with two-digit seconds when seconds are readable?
6,33
